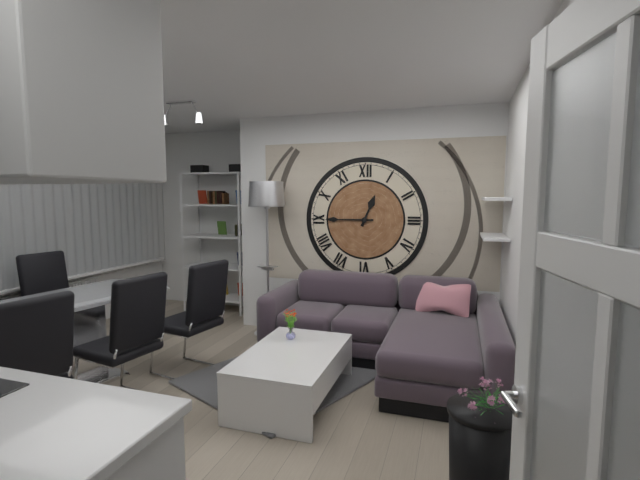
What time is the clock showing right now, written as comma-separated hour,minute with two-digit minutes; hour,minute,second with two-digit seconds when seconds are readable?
12,45
